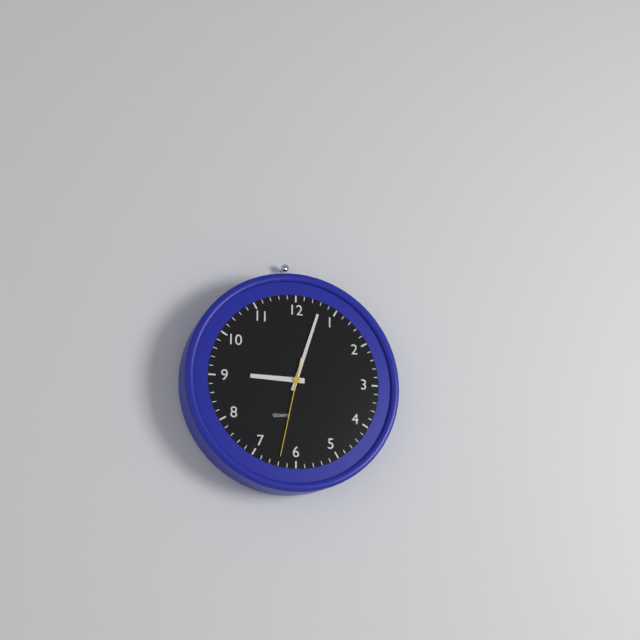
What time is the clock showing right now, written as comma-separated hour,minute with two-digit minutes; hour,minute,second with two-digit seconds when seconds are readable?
9,03,32
